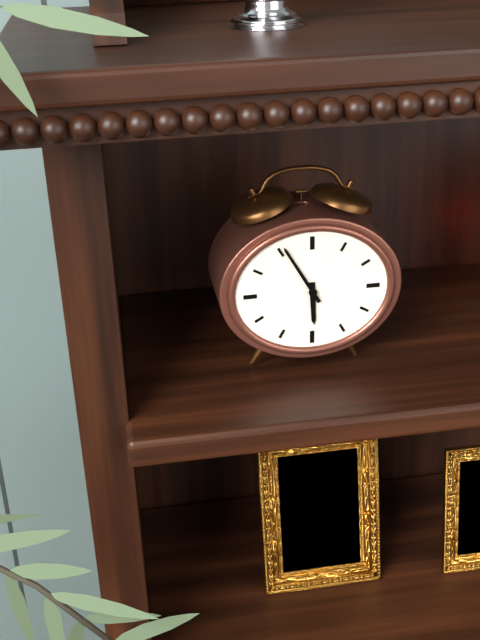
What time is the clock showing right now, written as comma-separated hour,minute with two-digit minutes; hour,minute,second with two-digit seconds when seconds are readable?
5,55
